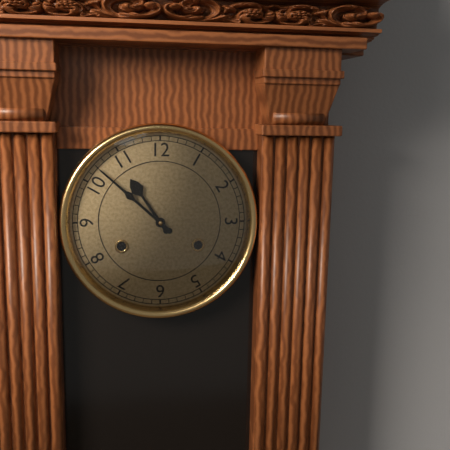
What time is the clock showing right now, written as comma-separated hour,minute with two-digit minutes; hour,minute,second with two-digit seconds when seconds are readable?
10,52
